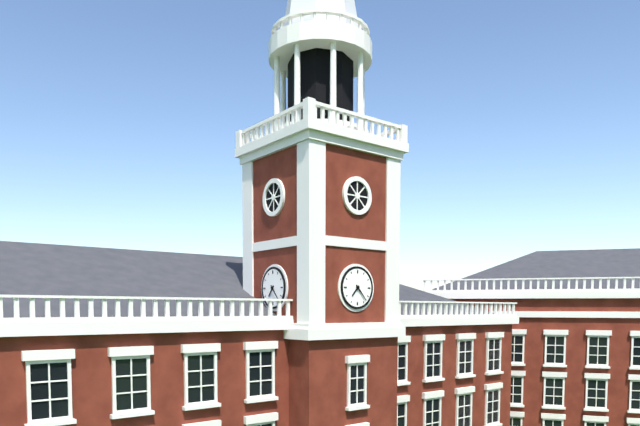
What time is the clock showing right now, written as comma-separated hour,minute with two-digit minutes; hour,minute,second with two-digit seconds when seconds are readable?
7,23
